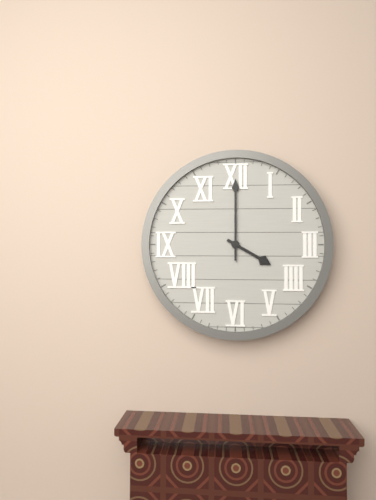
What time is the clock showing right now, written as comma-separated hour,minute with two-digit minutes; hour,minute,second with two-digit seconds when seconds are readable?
4,00
